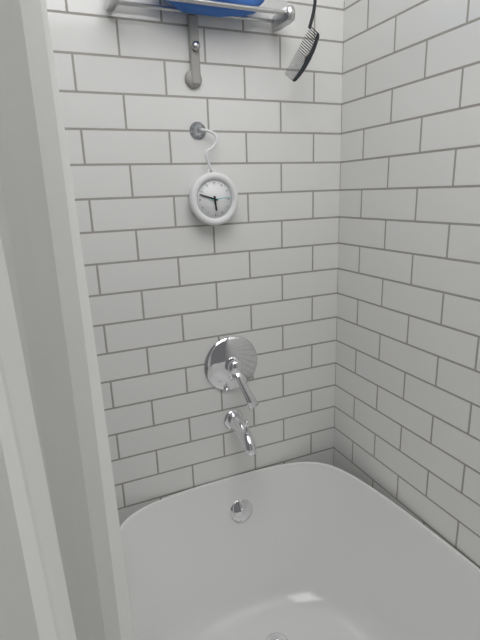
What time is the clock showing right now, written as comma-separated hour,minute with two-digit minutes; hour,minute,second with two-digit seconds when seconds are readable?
5,48
